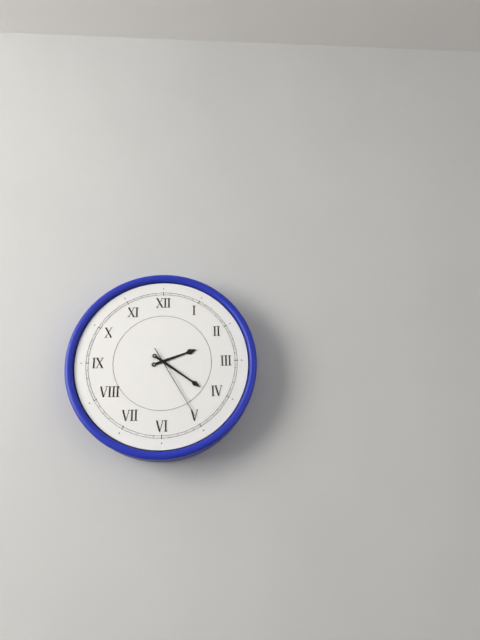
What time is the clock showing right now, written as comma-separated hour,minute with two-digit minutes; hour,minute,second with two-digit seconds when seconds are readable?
2,21,25
